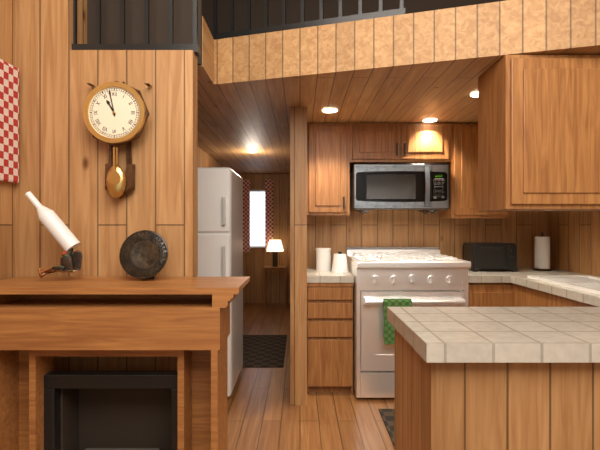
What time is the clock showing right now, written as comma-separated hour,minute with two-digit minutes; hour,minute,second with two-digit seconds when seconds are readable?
10,58
